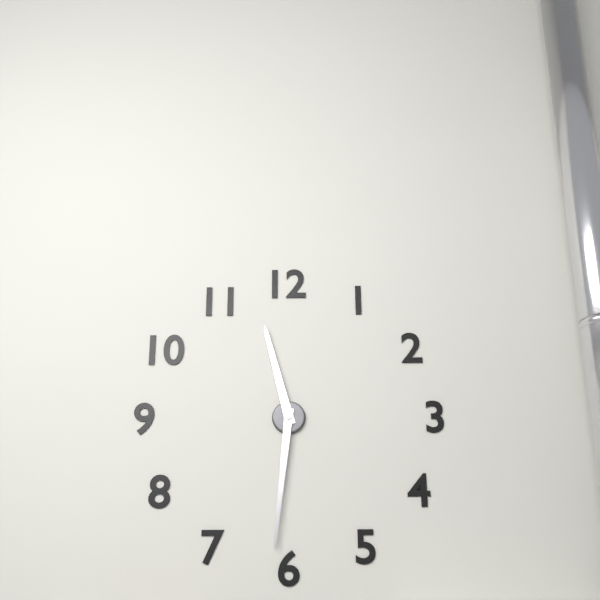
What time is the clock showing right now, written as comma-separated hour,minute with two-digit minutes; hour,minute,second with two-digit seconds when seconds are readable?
11,31
